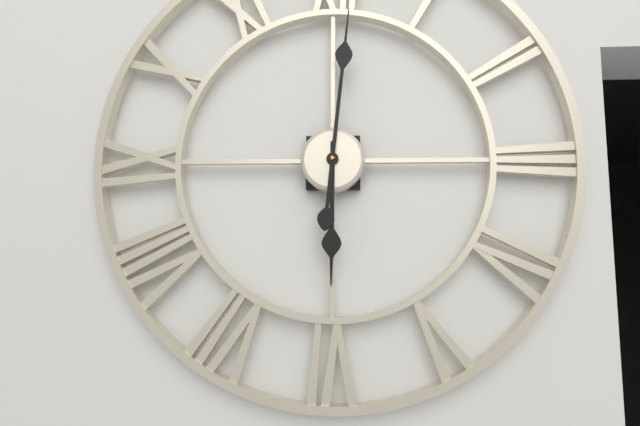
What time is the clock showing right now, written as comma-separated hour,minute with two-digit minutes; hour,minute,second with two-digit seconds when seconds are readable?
6,01
